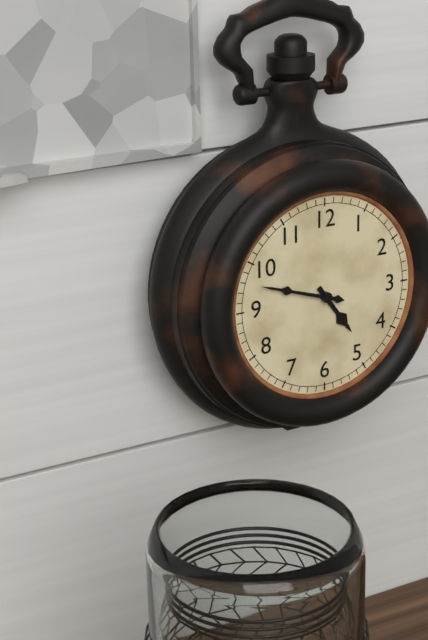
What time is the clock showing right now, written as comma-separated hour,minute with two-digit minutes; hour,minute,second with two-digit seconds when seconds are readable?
4,48
